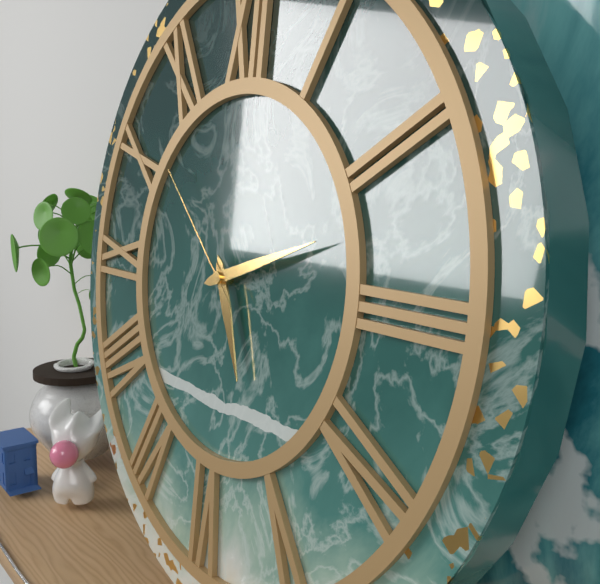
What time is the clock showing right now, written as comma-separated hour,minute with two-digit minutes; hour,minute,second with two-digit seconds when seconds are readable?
5,12,52
